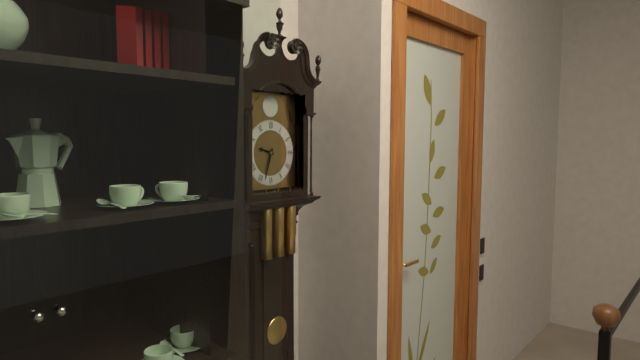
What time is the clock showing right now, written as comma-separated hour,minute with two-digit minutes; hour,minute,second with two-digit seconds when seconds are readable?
9,33
